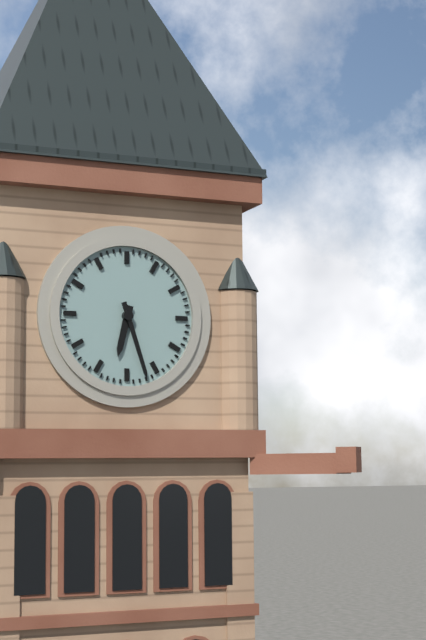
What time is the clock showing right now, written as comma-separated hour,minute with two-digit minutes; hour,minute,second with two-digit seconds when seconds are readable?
6,27
